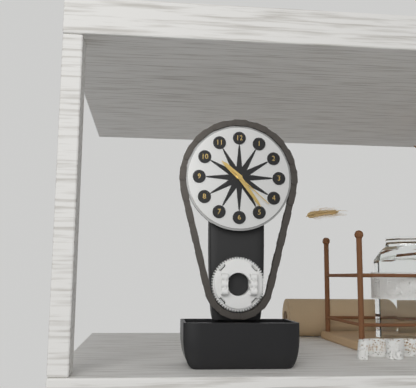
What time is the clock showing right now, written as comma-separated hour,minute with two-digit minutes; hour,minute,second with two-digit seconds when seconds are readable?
10,24
